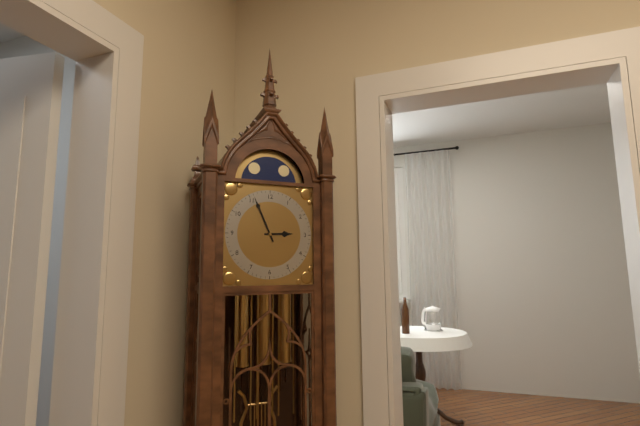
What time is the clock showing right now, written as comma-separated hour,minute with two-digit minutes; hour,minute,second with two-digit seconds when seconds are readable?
2,56
